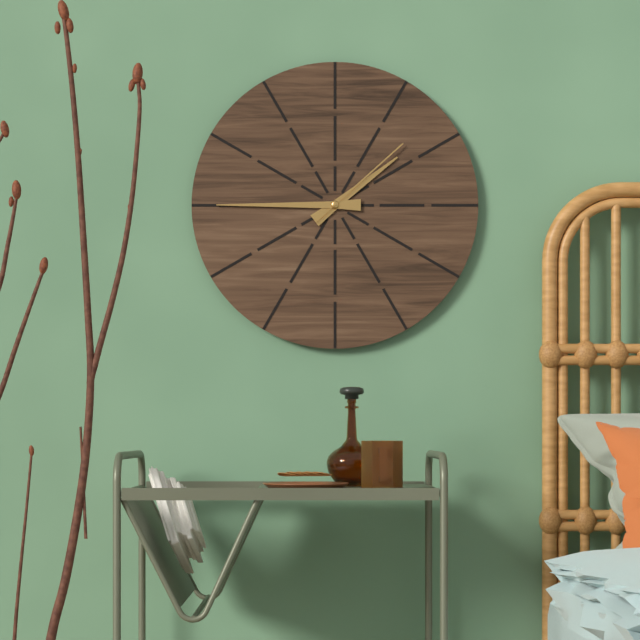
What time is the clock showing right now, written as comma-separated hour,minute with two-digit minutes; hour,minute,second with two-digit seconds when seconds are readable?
1,45,08
